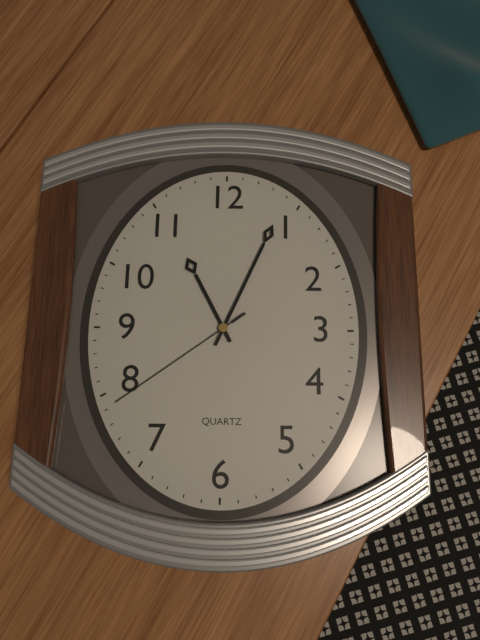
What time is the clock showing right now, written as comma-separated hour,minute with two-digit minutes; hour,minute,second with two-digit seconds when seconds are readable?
11,04,39
